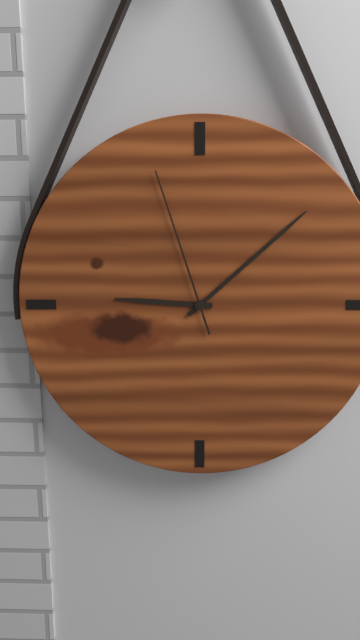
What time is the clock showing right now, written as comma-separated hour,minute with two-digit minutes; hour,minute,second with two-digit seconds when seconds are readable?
9,08,57
